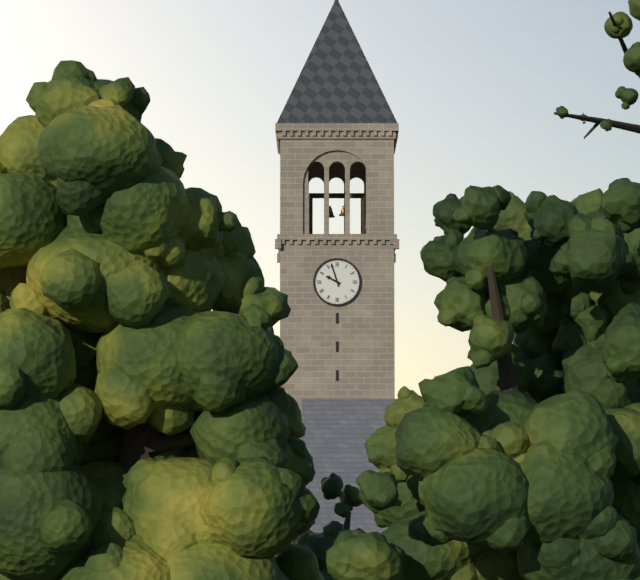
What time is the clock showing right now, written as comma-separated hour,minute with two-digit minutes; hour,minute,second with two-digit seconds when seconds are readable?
9,57
